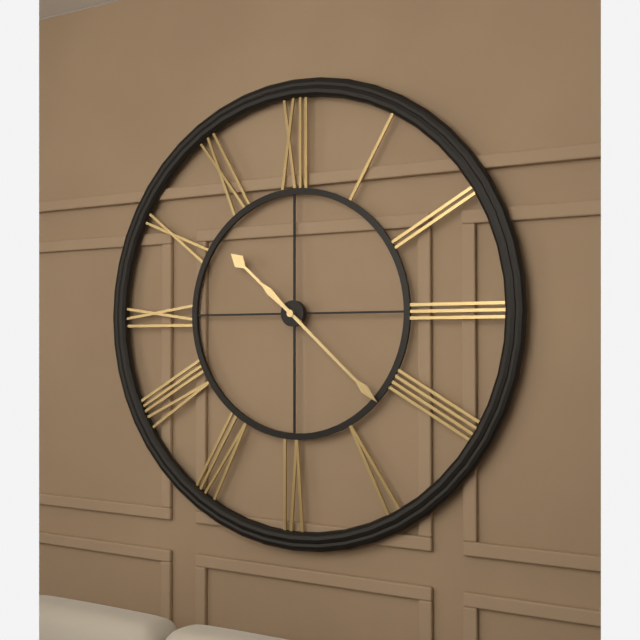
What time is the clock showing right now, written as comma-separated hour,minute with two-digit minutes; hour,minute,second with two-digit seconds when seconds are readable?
10,22
